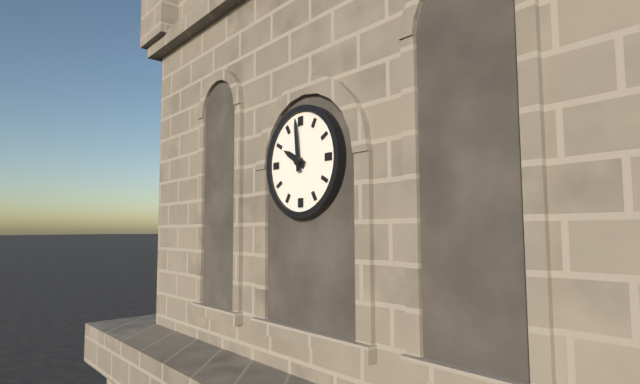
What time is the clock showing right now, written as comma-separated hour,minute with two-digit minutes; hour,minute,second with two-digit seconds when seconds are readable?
9,59
